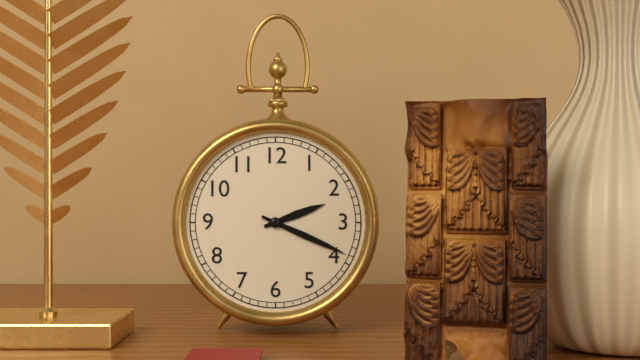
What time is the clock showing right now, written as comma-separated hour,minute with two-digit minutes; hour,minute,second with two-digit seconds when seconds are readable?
2,19
